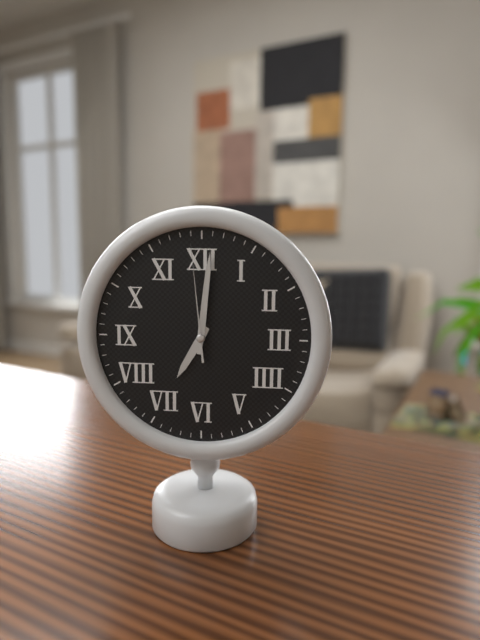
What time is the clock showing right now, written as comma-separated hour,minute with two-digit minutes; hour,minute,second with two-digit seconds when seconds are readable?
7,01,59
